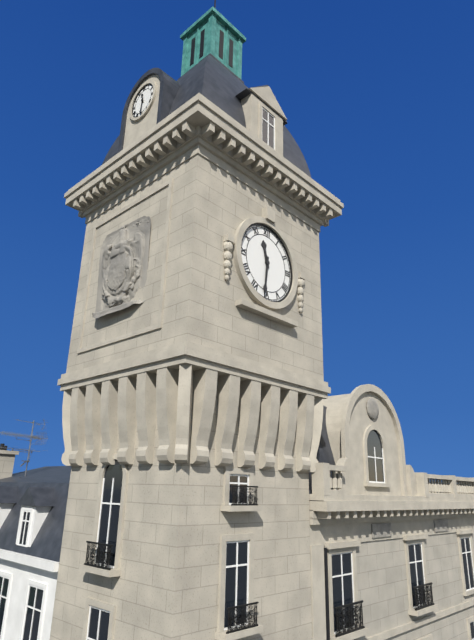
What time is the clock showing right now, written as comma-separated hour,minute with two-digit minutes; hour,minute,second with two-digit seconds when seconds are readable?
11,31
